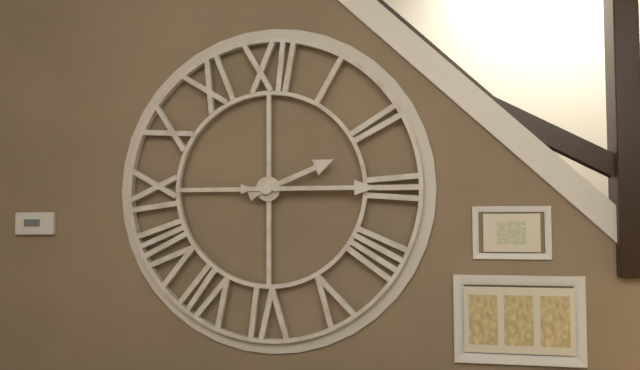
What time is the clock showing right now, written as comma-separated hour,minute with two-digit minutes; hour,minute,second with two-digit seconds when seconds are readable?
2,15
